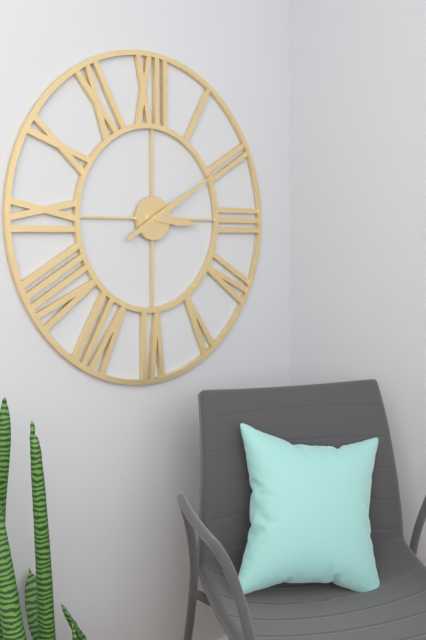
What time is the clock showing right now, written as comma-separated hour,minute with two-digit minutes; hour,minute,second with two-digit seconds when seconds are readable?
3,10
